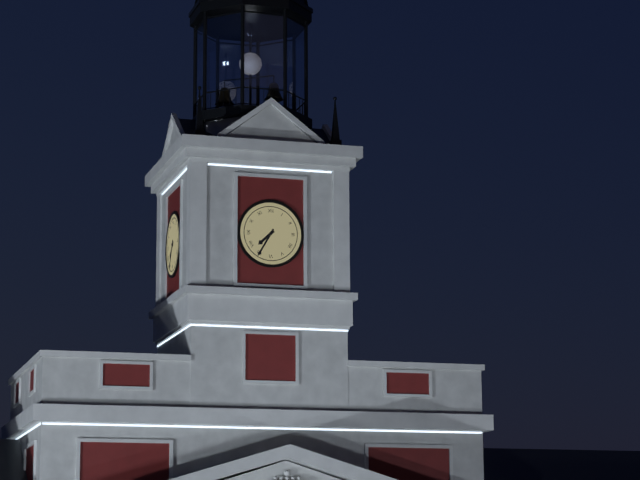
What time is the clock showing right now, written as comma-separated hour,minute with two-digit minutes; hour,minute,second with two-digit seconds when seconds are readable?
7,35
